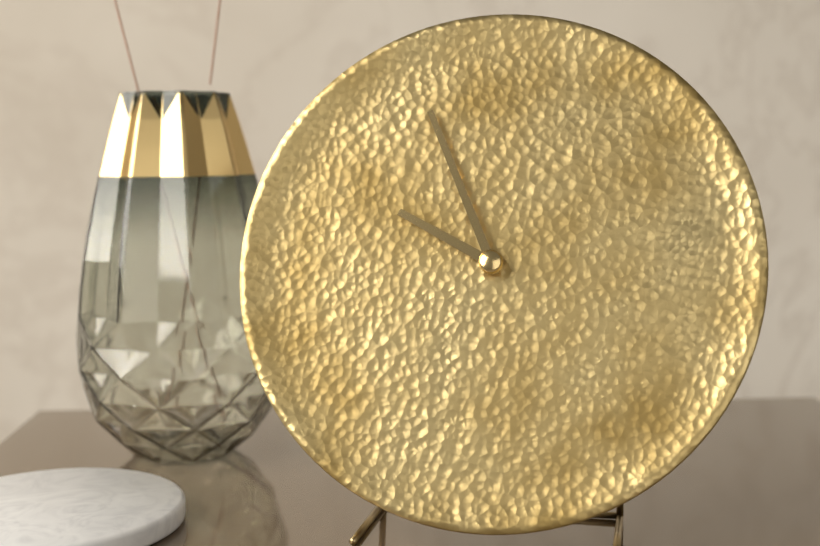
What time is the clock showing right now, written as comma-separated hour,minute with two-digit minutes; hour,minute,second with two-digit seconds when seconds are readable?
9,56
